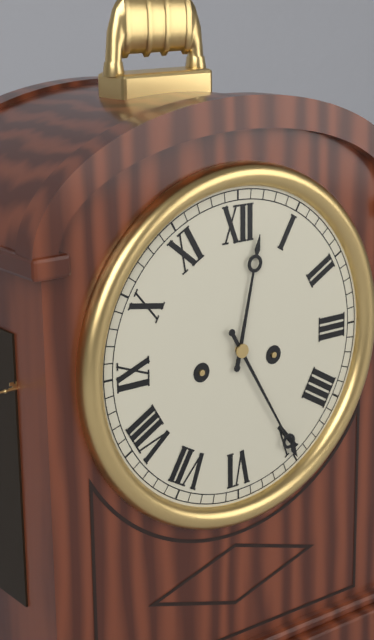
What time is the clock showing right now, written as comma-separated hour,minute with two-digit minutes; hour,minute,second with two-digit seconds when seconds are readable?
12,25
